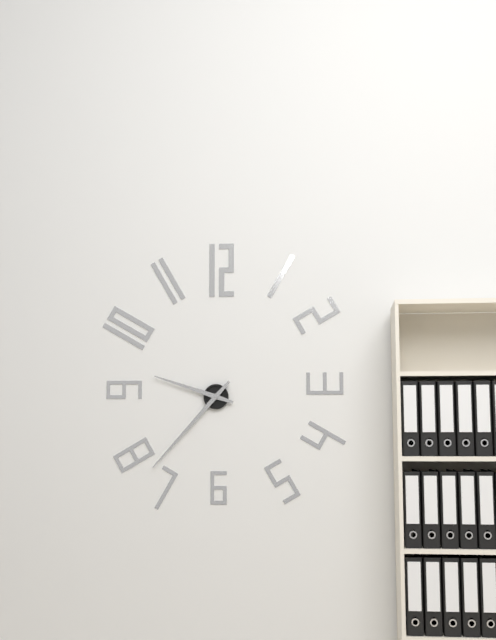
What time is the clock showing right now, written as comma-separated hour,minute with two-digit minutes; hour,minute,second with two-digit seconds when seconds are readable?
9,37
